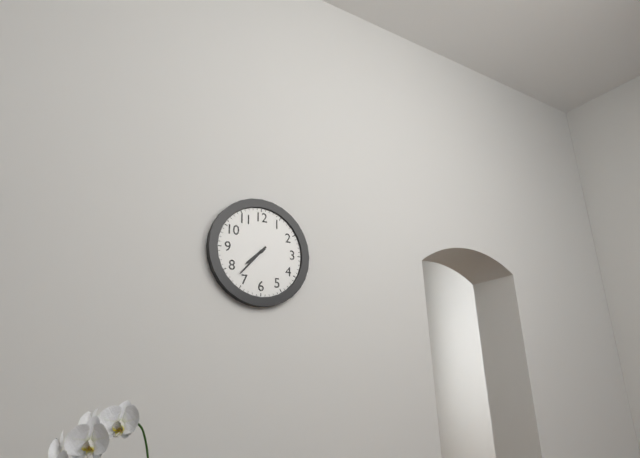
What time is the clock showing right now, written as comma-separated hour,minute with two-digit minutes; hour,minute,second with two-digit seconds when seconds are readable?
7,37
